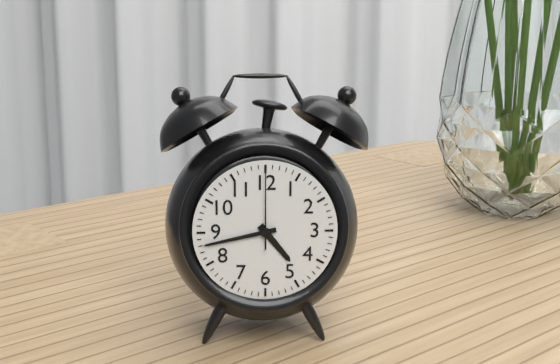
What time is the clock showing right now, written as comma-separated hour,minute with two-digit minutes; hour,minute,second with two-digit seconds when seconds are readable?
4,43,00
